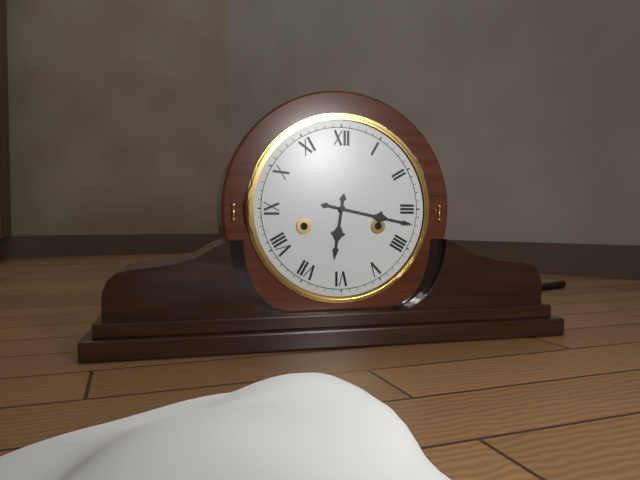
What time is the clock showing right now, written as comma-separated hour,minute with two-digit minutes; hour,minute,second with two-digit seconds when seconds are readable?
6,17
